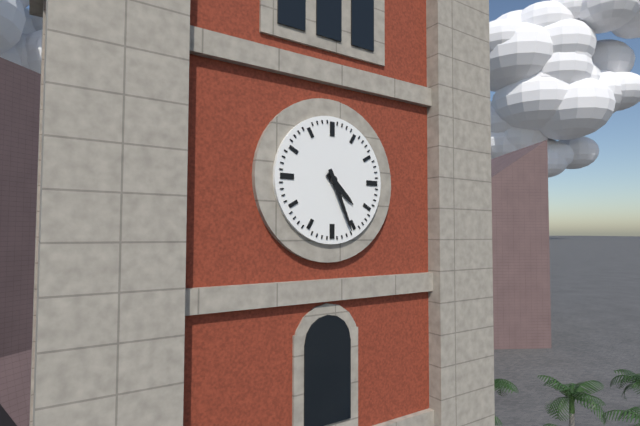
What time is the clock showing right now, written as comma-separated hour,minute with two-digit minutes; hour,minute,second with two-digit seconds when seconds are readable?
4,26
